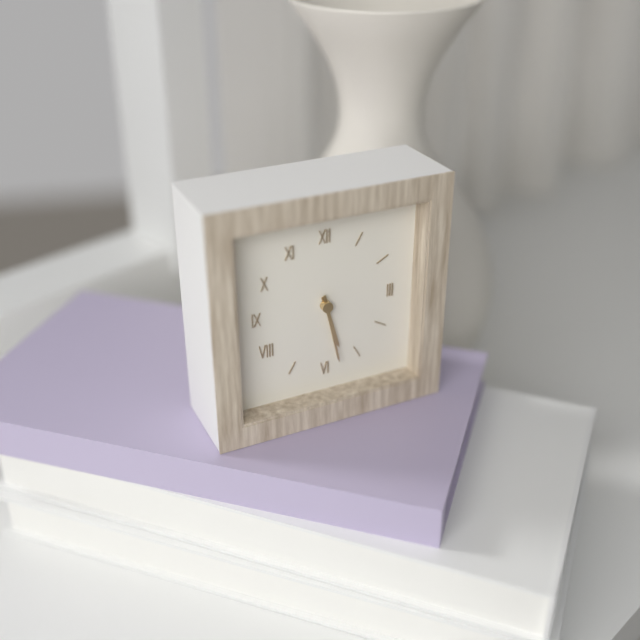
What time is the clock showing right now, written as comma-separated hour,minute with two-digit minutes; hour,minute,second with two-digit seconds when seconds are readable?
5,28
